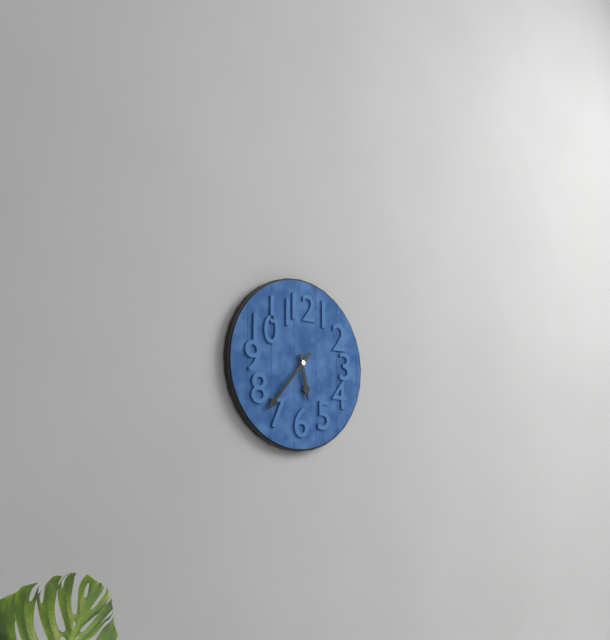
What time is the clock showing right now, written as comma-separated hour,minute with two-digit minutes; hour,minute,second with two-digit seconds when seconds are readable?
5,37
